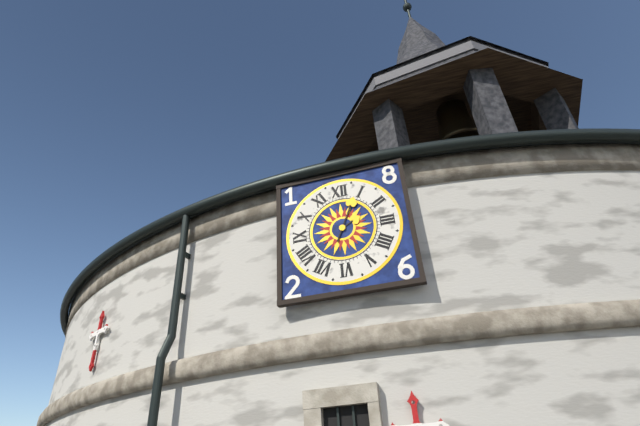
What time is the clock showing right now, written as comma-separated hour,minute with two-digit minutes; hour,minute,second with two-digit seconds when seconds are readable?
2,04
